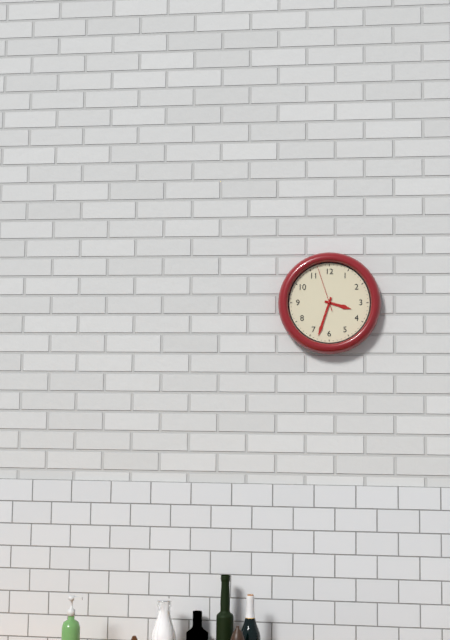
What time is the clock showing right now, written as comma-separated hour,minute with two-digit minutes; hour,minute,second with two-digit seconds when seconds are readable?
3,33
